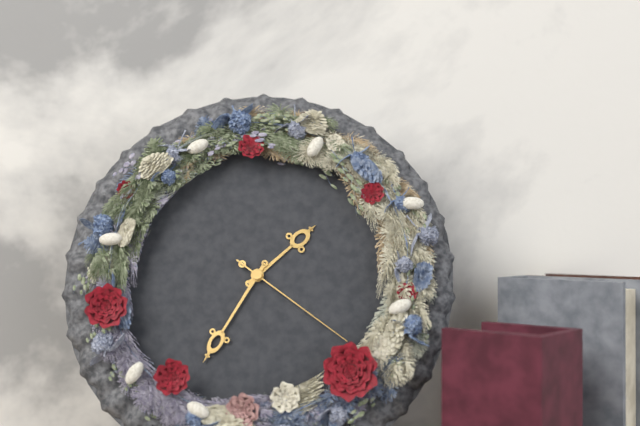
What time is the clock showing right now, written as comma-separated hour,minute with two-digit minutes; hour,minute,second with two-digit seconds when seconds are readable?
1,35,21
